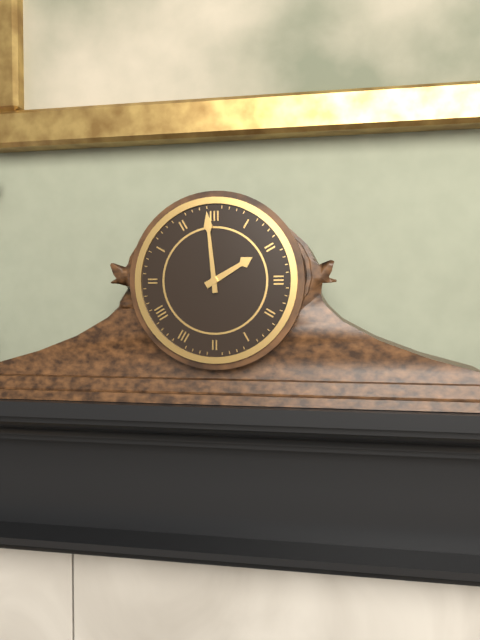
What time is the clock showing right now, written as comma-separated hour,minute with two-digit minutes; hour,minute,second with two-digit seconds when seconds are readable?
1,59
